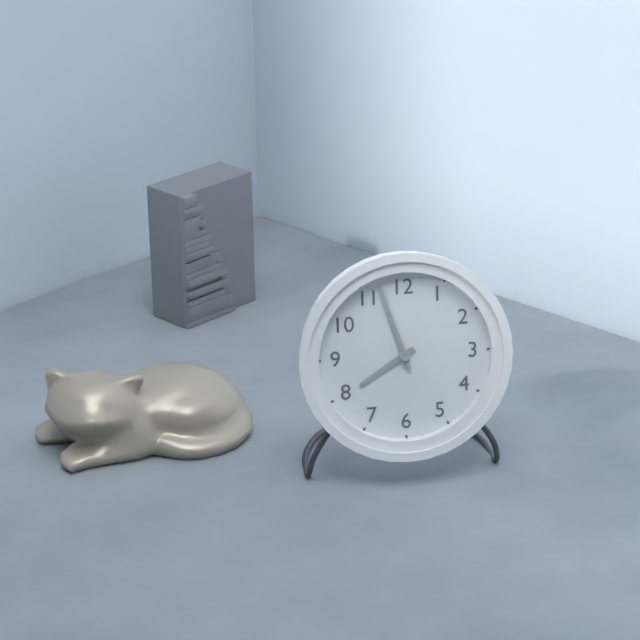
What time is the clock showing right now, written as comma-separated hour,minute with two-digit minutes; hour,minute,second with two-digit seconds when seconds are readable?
7,57
